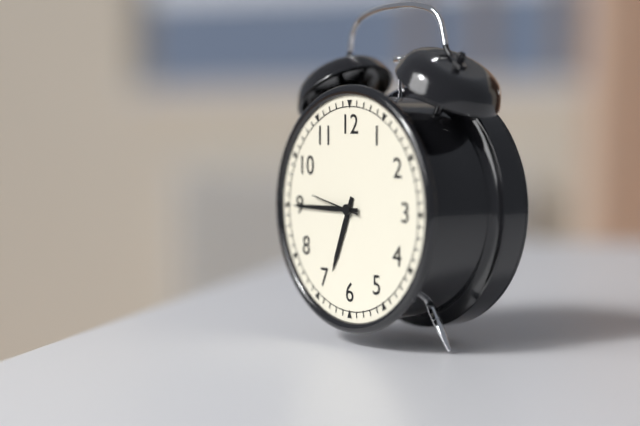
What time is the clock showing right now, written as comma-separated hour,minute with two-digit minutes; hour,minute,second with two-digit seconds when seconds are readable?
6,45
